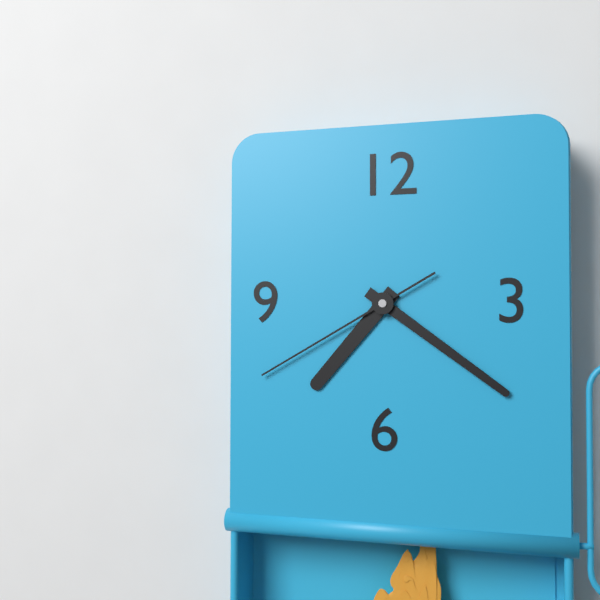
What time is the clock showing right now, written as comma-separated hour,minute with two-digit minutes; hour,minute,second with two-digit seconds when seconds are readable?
7,21,40
